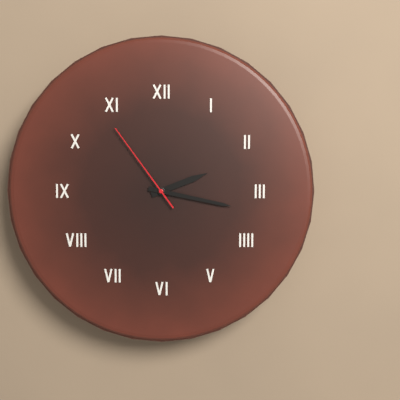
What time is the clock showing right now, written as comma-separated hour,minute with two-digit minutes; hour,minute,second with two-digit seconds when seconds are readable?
2,17,54
